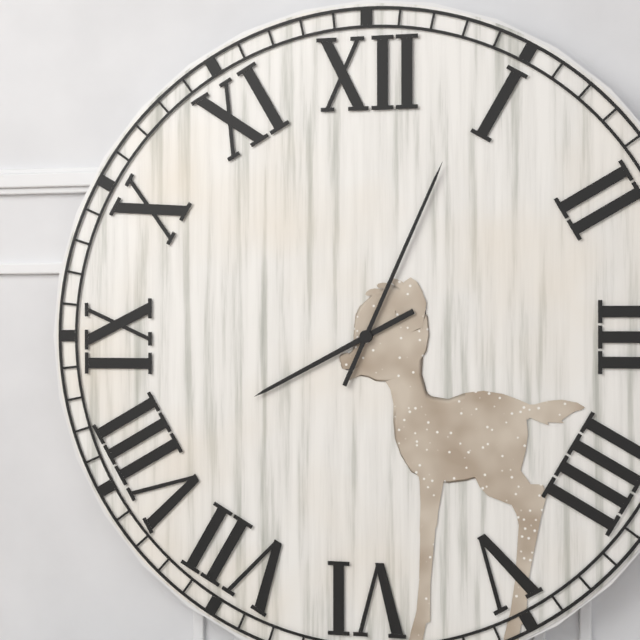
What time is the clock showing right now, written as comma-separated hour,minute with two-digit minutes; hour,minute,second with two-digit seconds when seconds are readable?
8,04
